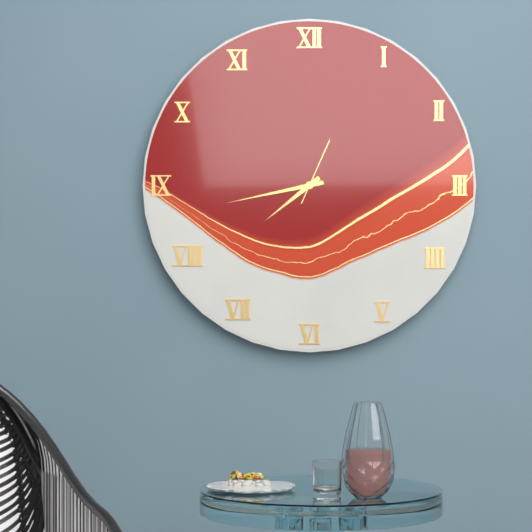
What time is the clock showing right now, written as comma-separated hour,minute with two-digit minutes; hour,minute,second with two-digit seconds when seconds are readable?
7,43,04
